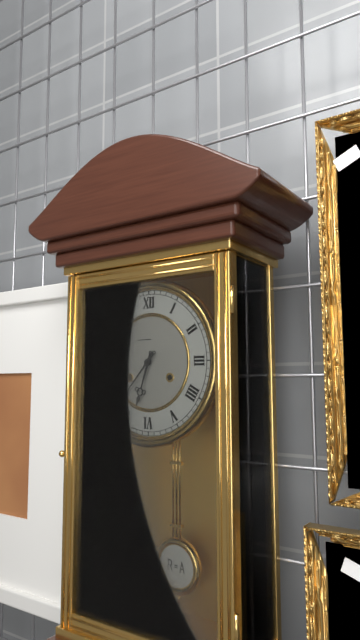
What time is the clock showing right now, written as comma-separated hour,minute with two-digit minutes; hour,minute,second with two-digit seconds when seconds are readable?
6,37
